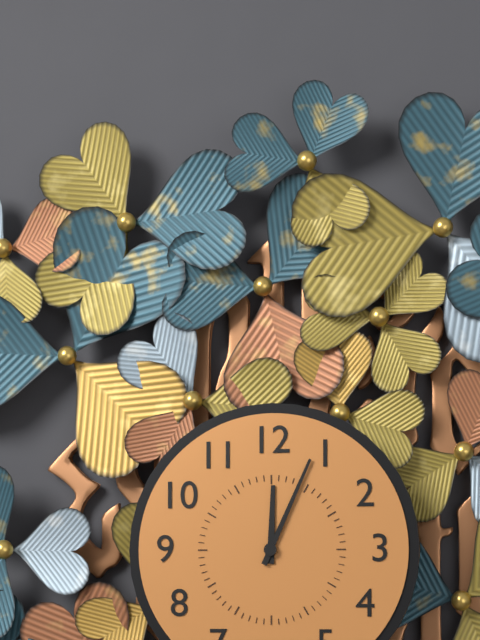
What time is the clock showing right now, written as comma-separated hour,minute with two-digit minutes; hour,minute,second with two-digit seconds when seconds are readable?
12,04
